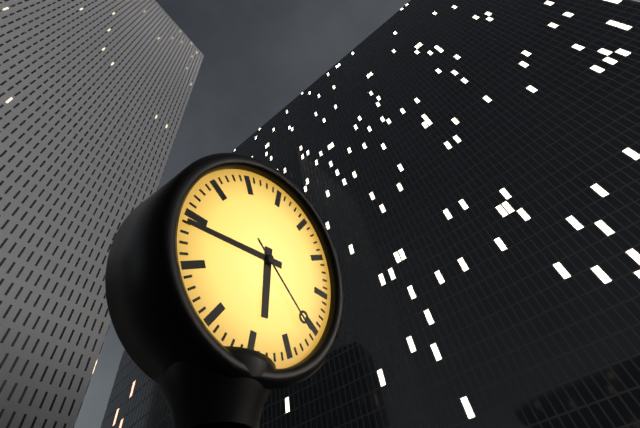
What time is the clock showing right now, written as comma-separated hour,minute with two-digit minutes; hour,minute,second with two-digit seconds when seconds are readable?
5,44,21
